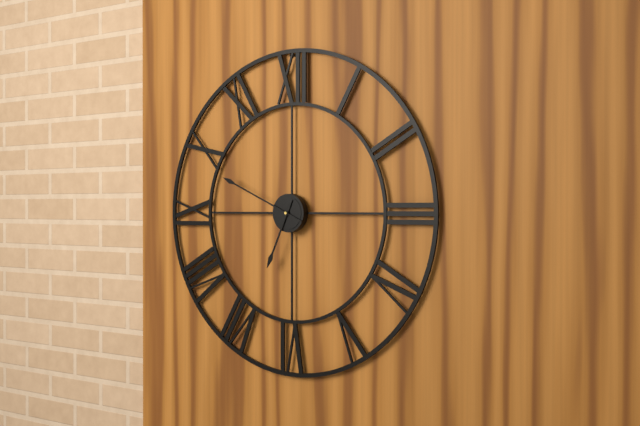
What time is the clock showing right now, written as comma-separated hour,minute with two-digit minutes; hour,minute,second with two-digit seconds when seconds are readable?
6,49
